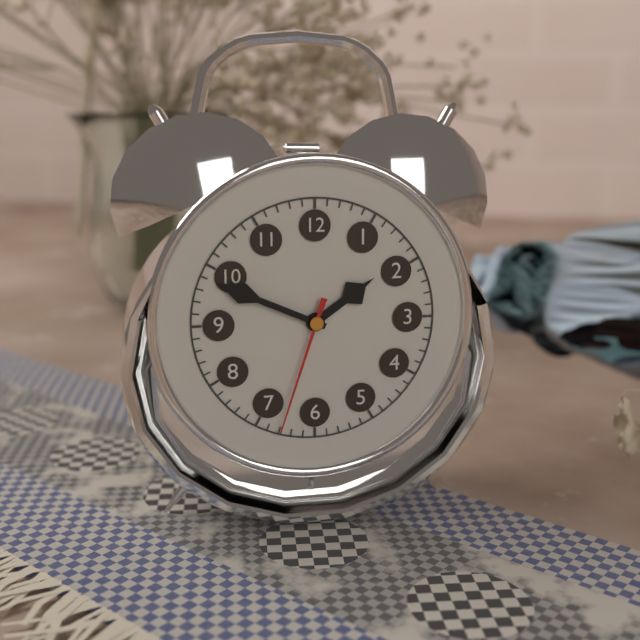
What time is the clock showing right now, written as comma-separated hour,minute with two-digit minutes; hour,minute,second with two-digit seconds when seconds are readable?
1,49,33
